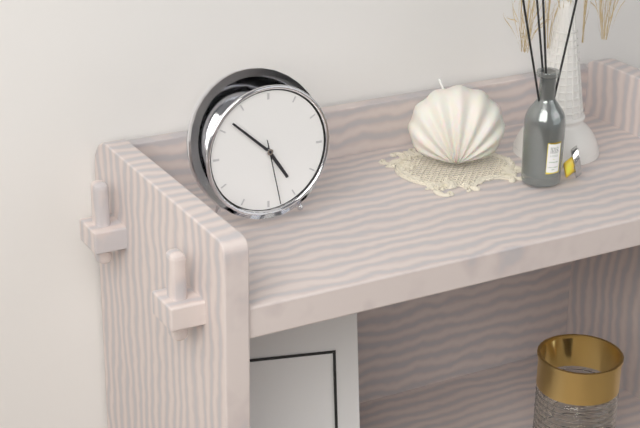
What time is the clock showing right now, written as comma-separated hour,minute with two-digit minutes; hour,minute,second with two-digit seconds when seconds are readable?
4,52,28
